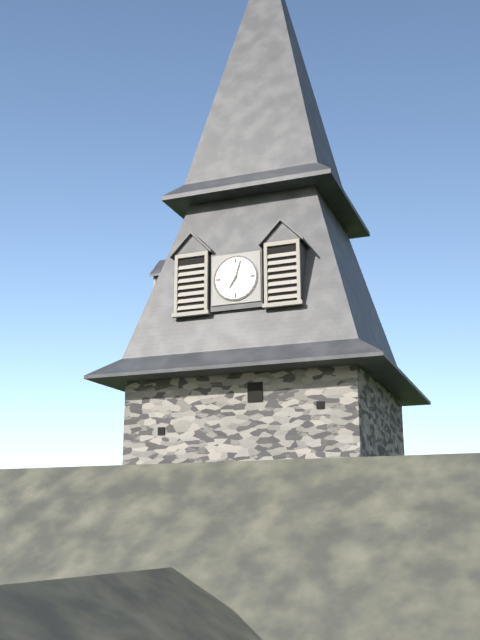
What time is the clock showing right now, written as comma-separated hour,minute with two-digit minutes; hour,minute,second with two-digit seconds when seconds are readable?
7,03
